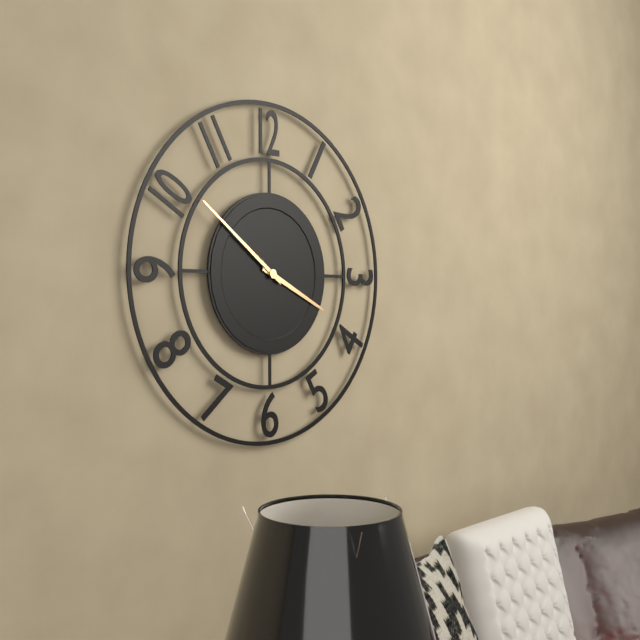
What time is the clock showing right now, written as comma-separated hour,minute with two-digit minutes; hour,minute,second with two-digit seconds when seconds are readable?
3,51
